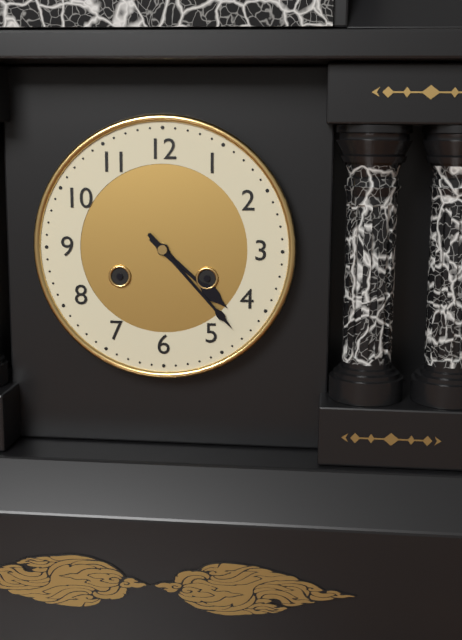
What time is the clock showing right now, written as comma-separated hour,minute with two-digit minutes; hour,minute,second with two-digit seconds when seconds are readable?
4,23
